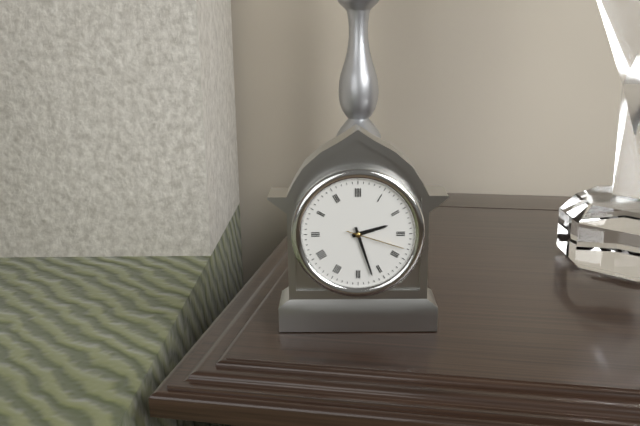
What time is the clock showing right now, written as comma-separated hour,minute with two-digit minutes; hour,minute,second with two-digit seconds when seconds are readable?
2,27,18
